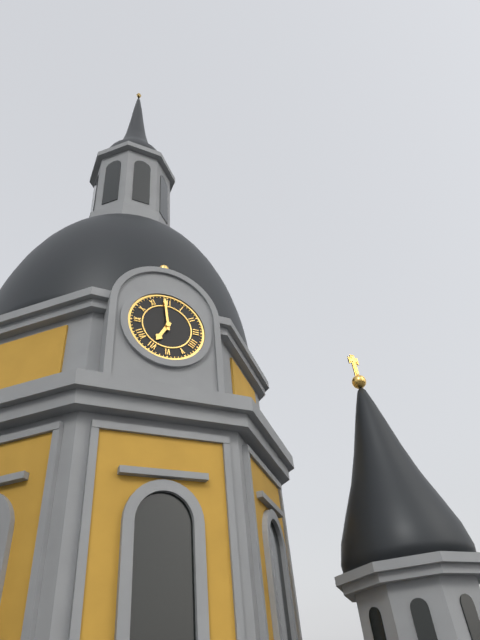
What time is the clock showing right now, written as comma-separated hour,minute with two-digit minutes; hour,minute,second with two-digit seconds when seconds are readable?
6,59
